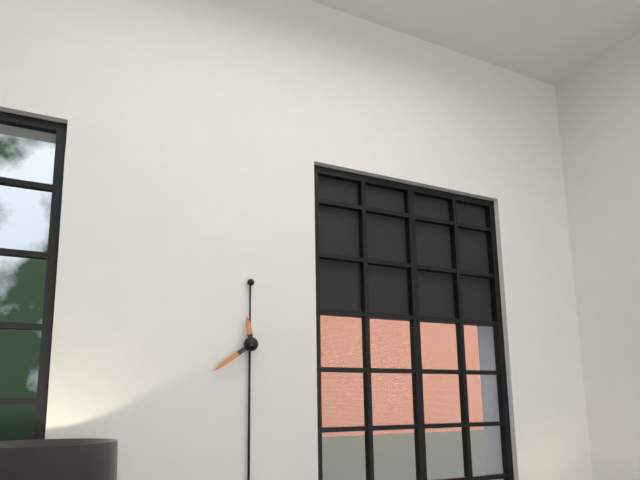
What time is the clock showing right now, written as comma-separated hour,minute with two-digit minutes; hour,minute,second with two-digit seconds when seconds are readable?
11,39
